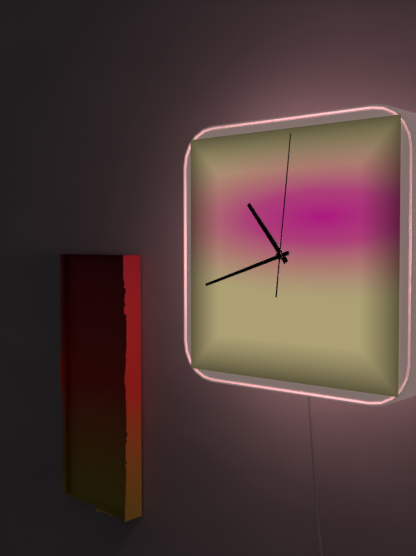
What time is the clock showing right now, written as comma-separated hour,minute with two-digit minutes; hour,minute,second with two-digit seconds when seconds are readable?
10,42,01
